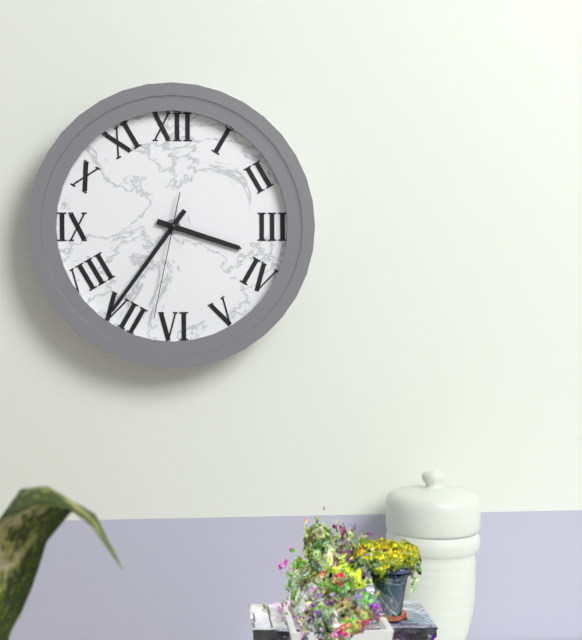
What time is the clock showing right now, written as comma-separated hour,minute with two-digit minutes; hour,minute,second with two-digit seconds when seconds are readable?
3,36,32
